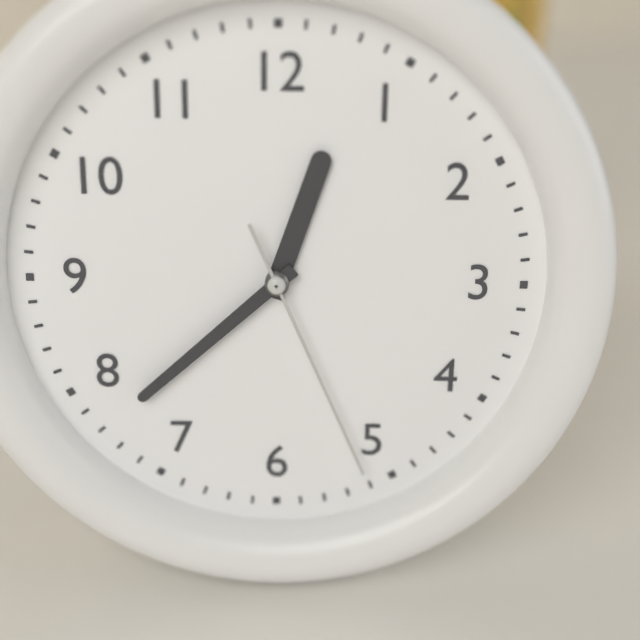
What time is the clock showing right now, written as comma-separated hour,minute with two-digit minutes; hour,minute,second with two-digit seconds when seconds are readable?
12,38,26
